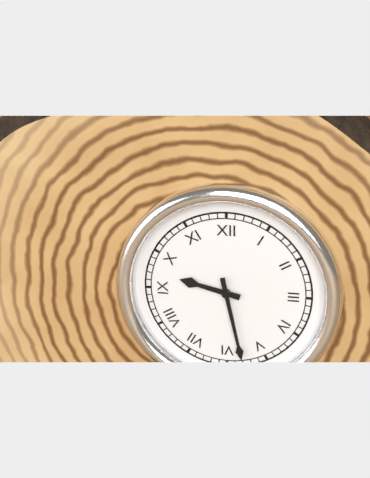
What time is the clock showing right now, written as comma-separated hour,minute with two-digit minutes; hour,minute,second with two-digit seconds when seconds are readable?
9,28
